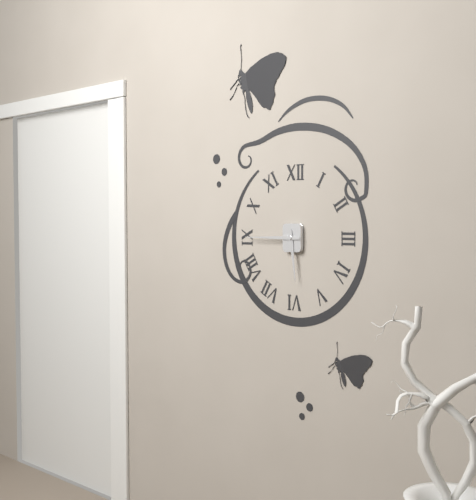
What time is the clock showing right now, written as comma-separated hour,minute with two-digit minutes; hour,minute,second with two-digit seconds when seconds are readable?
5,45
